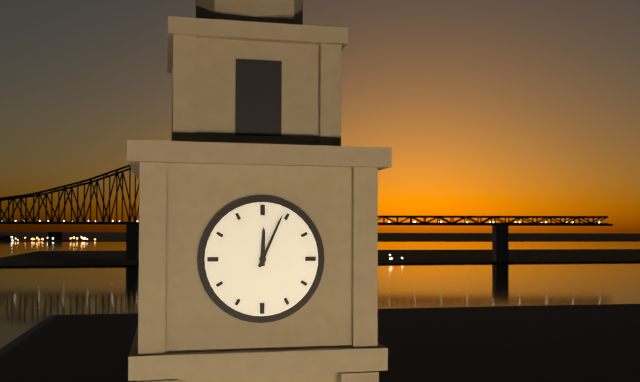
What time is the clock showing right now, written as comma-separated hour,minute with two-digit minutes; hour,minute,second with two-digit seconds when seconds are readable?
12,04
